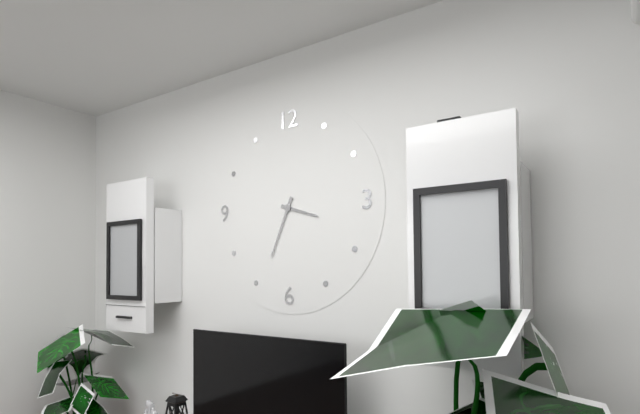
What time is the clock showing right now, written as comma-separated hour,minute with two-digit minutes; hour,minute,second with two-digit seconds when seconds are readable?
3,34
